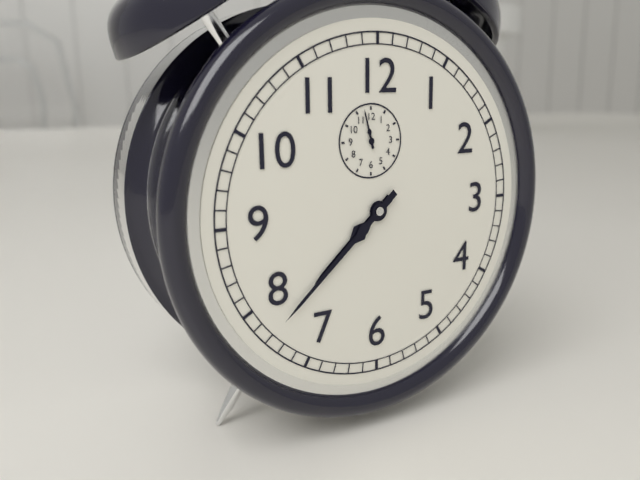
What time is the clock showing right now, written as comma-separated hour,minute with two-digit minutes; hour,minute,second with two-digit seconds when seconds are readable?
7,38
